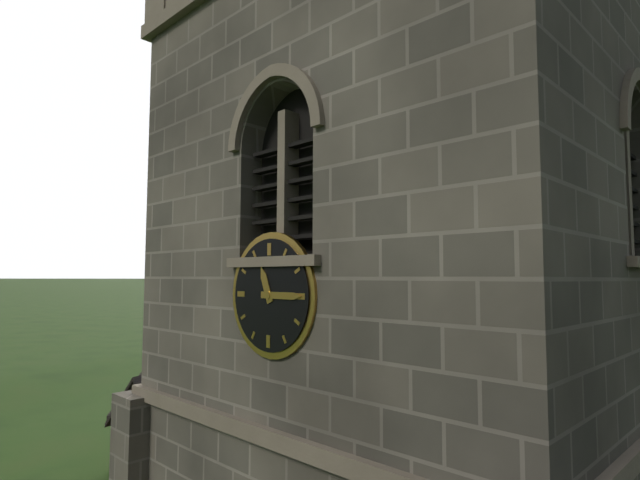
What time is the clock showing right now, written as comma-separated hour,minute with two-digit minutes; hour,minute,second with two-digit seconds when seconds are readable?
11,15
